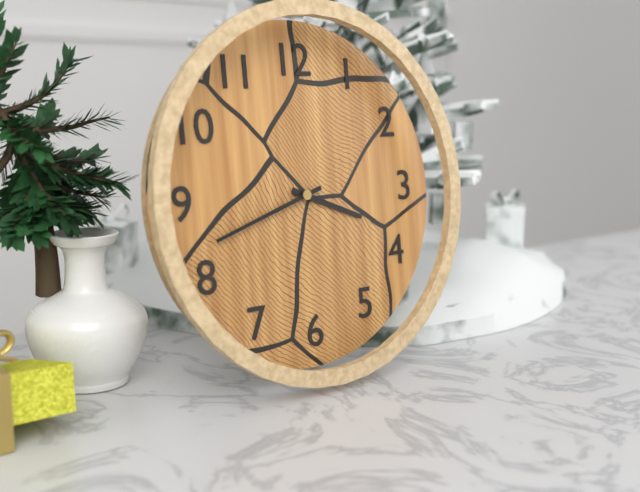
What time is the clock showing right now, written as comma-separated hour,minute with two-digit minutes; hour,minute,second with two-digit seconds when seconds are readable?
3,42
